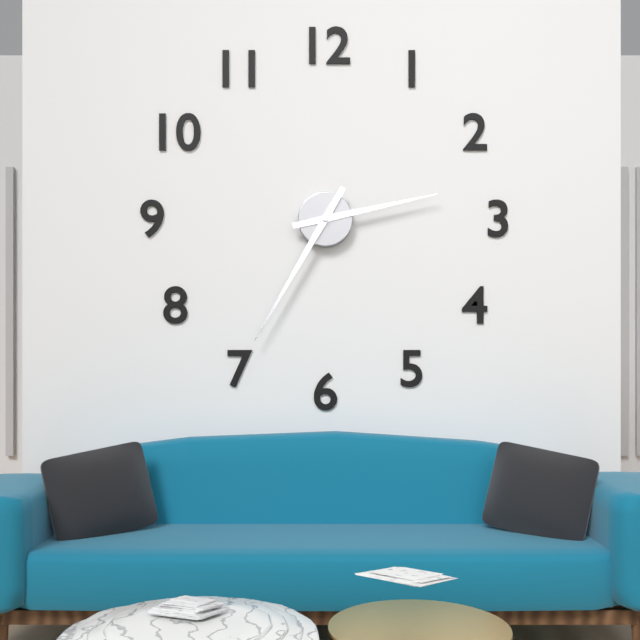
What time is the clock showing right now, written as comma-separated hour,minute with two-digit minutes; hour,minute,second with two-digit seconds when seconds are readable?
2,35
